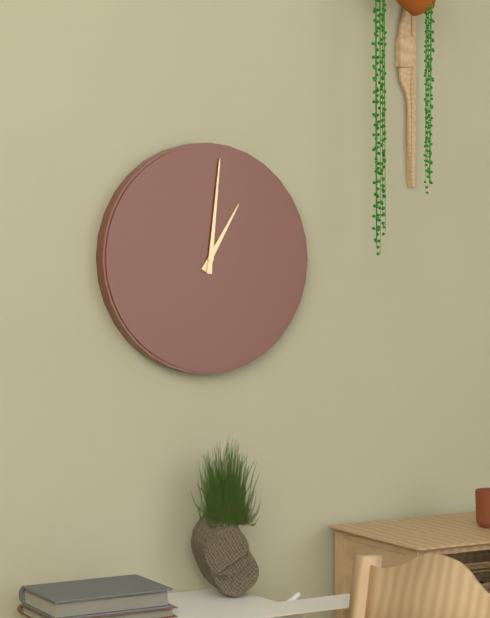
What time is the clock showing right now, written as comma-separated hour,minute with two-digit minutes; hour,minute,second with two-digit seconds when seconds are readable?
1,01
